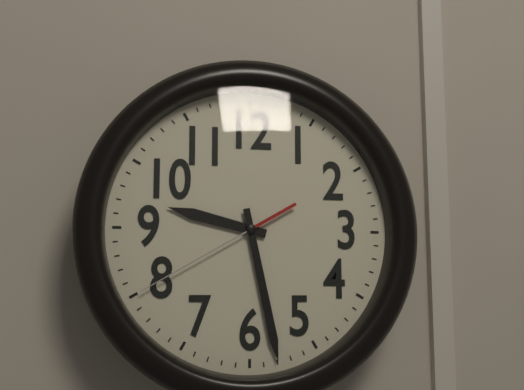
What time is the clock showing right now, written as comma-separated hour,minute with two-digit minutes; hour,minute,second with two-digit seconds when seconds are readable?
9,28,40
